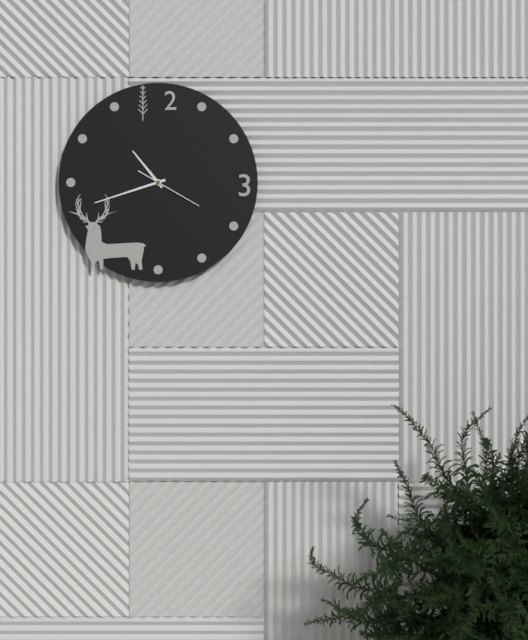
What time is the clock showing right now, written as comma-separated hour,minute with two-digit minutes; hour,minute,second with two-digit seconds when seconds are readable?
10,42,20
